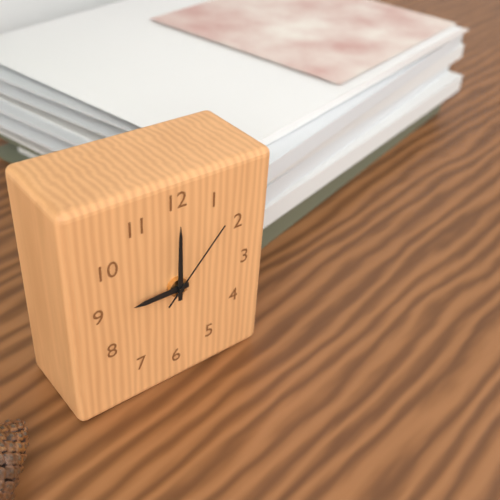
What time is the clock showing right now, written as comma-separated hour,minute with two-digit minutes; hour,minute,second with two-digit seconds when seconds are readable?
9,00,07
